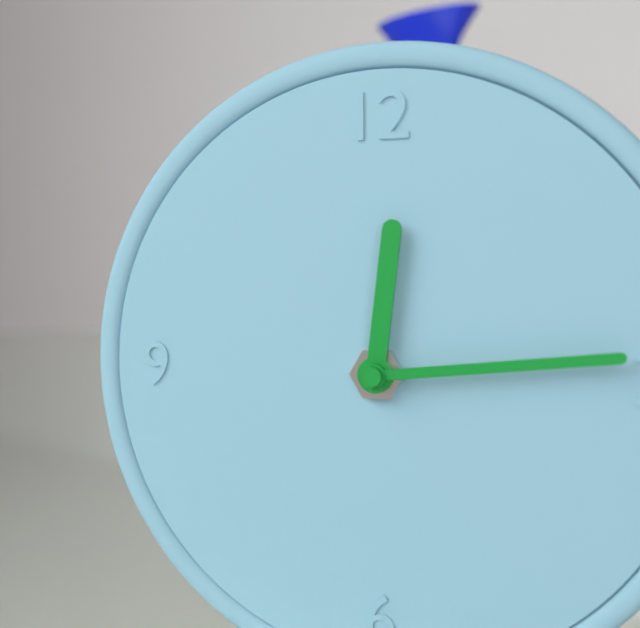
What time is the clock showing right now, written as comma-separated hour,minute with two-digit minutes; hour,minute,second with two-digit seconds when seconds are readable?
12,14
